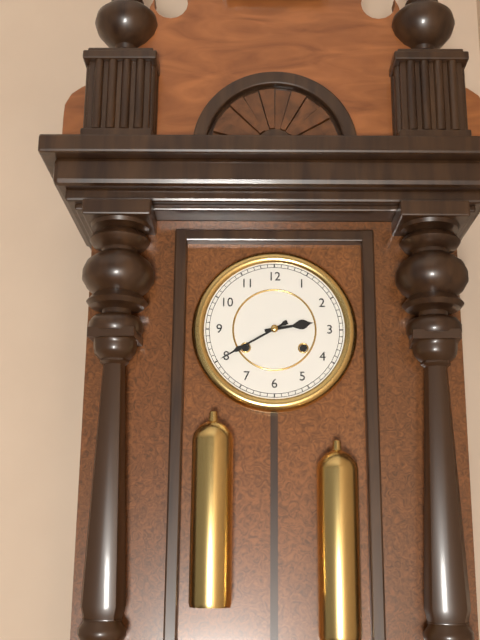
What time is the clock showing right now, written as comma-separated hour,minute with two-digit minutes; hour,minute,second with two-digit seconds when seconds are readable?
2,40
